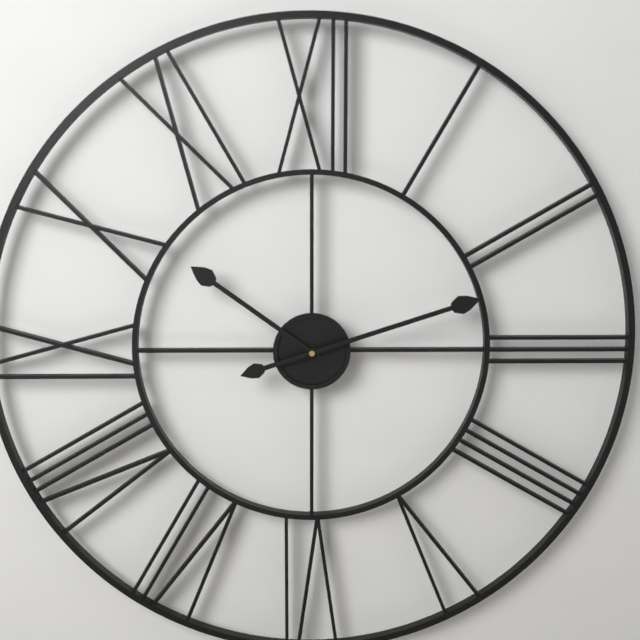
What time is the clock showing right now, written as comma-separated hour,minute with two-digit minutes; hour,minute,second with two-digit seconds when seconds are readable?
10,12
